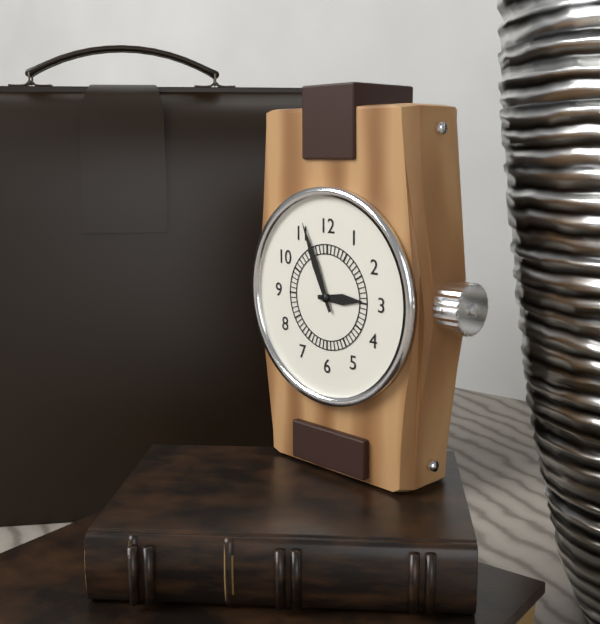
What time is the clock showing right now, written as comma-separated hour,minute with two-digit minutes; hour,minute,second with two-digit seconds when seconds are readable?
2,56
